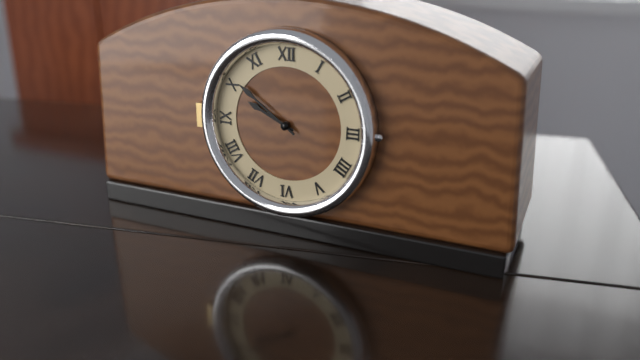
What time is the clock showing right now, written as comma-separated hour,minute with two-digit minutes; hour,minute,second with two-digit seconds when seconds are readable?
9,51
